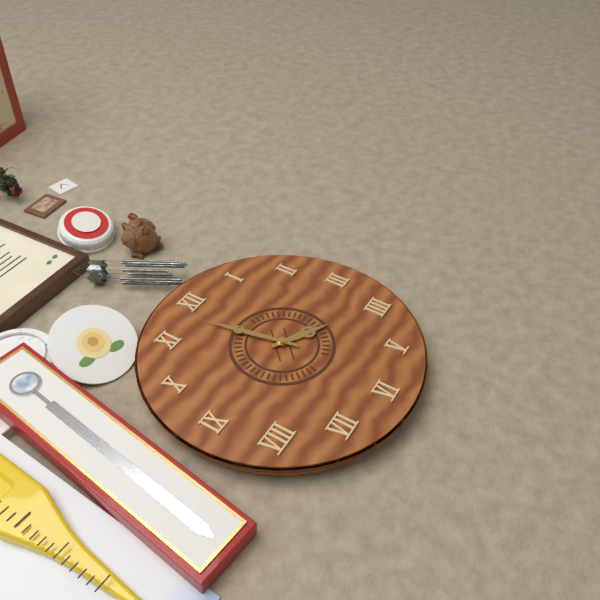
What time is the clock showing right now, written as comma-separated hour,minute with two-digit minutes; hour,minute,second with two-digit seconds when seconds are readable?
3,58
